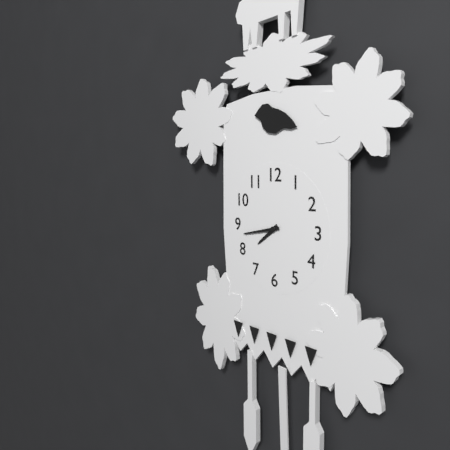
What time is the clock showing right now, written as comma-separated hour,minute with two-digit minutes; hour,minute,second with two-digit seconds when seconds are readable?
7,43
